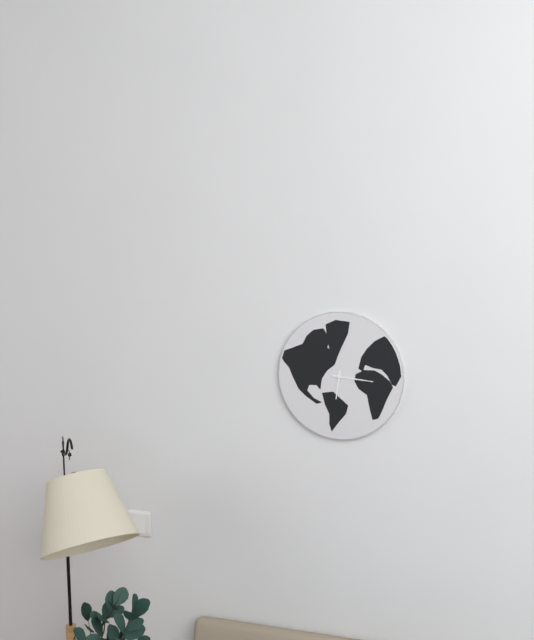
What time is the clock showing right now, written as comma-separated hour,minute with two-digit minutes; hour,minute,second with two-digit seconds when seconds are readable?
6,16
